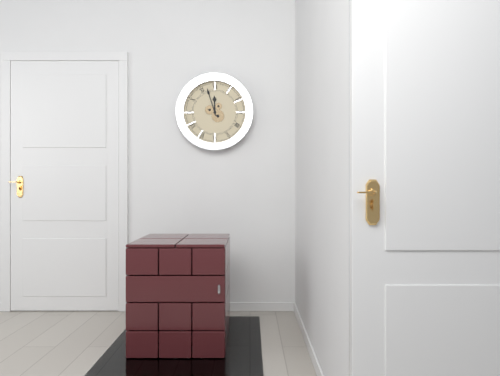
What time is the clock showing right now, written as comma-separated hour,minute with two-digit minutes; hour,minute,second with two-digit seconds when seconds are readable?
11,57
